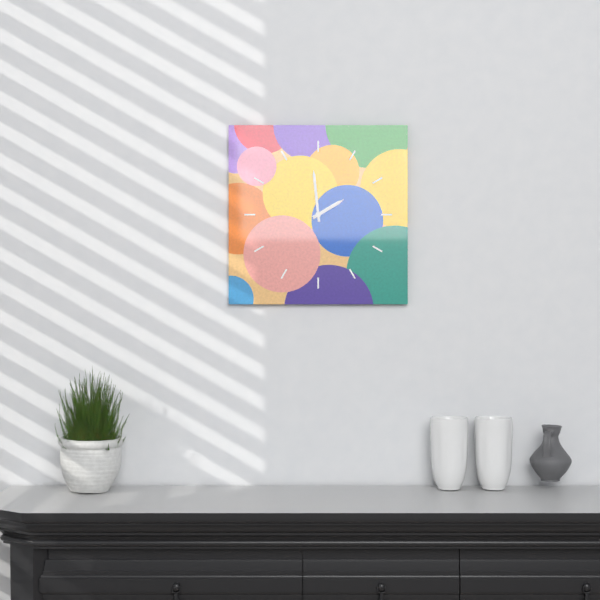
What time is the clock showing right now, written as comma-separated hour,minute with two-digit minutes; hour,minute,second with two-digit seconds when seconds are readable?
1,59
